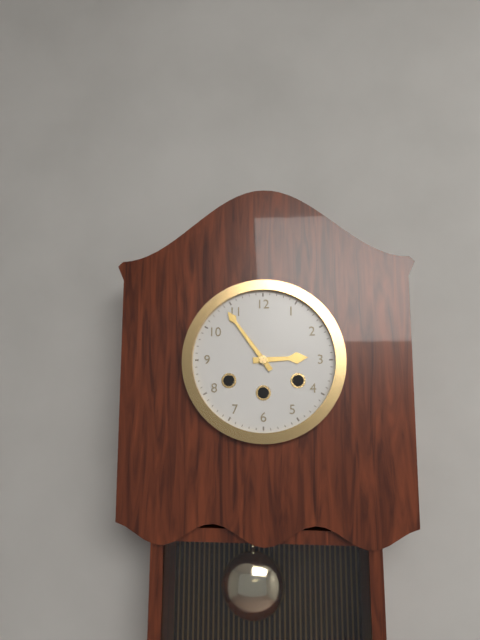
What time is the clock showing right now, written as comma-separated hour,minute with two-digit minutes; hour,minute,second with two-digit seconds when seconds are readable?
2,54
